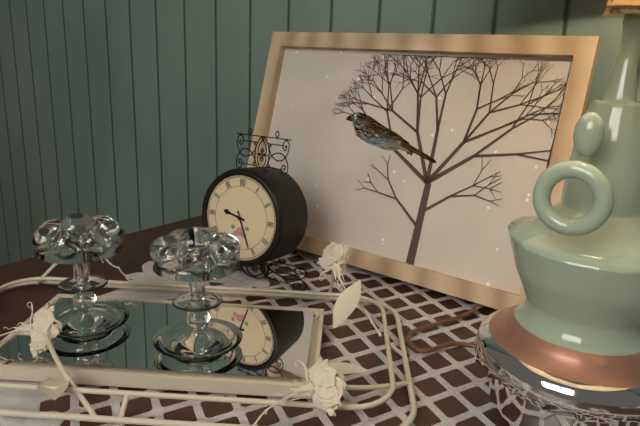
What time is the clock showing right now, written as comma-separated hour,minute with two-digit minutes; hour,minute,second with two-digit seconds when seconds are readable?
9,26
